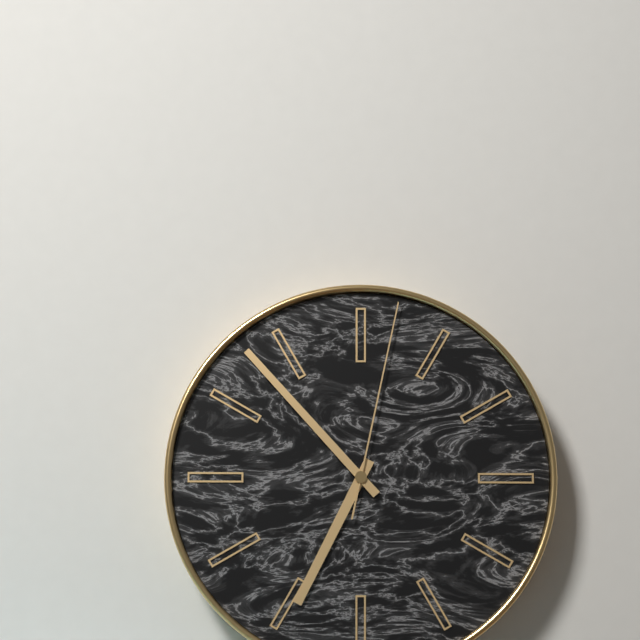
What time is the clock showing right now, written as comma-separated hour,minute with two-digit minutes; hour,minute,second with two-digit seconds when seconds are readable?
6,53,02
